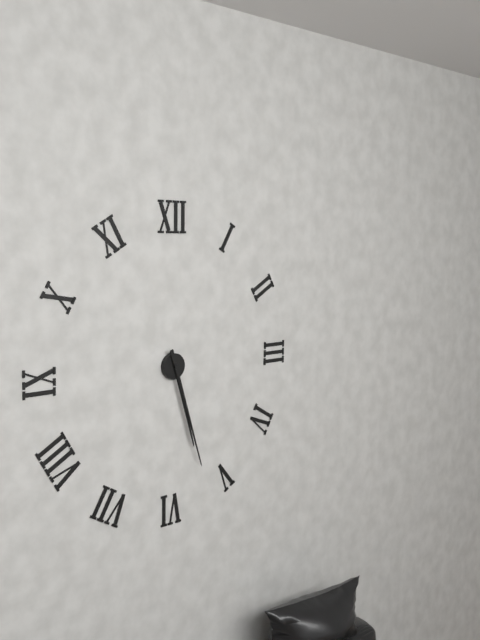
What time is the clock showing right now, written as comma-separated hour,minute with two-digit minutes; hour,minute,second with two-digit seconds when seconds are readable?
5,27
